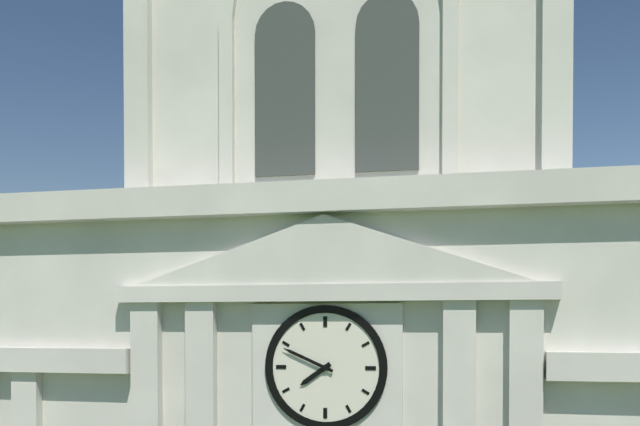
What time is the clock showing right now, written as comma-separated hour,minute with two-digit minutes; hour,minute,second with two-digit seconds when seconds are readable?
7,49
